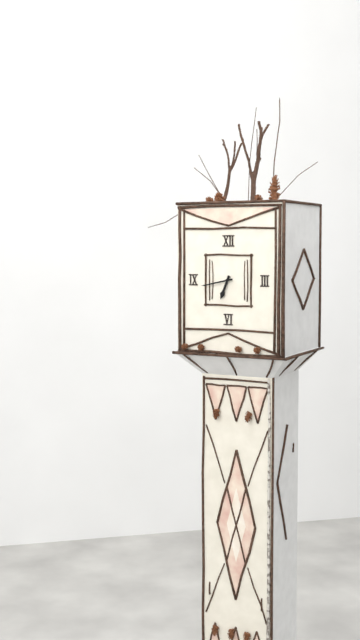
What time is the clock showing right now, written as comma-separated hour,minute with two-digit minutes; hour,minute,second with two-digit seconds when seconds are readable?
6,43
